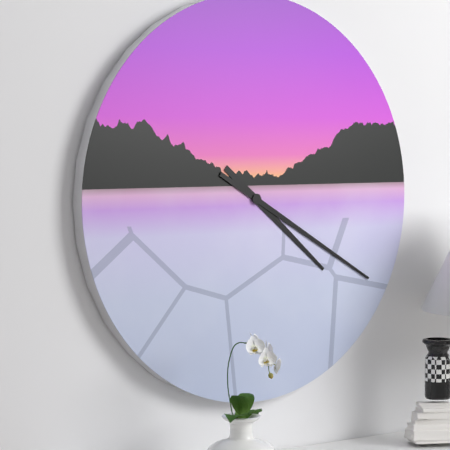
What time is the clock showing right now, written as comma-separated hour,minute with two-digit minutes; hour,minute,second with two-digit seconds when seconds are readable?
4,20
